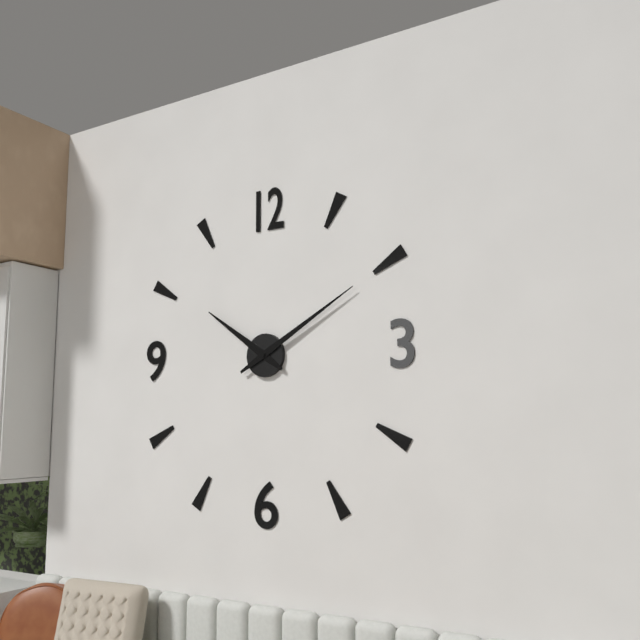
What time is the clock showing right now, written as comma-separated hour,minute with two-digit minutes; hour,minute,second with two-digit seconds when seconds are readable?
10,10
